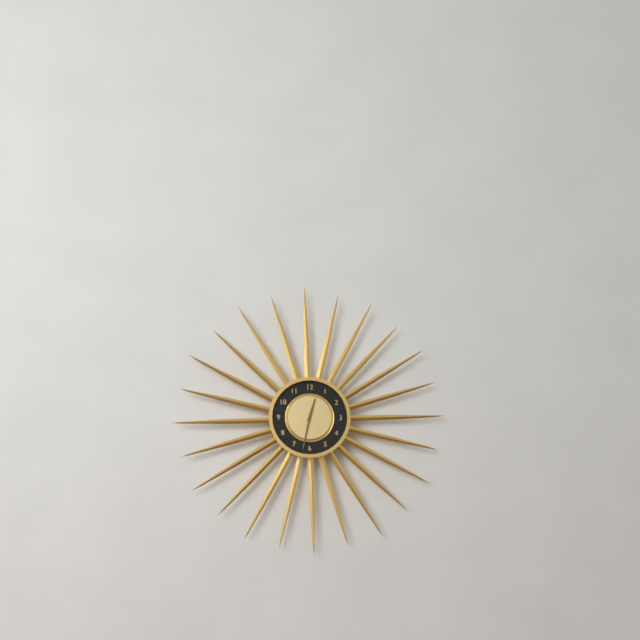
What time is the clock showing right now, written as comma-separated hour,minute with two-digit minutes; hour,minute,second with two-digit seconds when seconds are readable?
12,32
